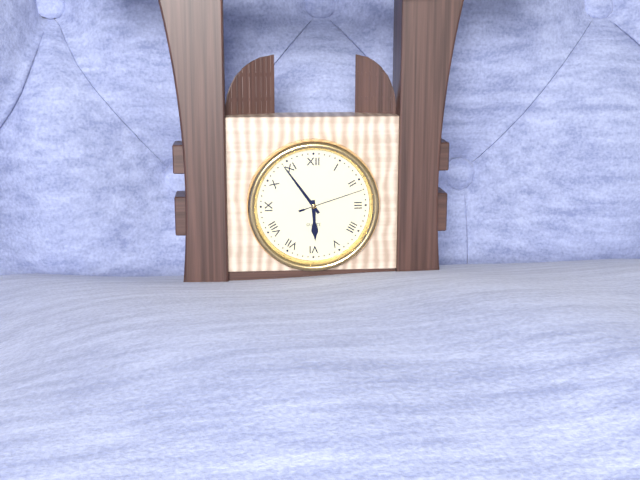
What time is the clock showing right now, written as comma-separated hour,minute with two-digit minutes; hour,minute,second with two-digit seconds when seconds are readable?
5,54,12
